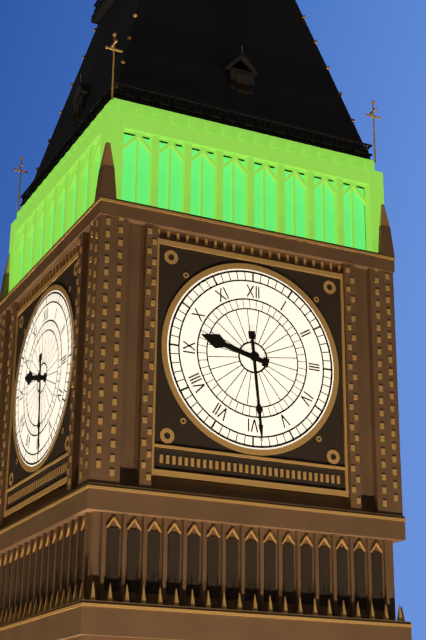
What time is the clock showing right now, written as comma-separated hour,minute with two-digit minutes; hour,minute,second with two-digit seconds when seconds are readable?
9,29
